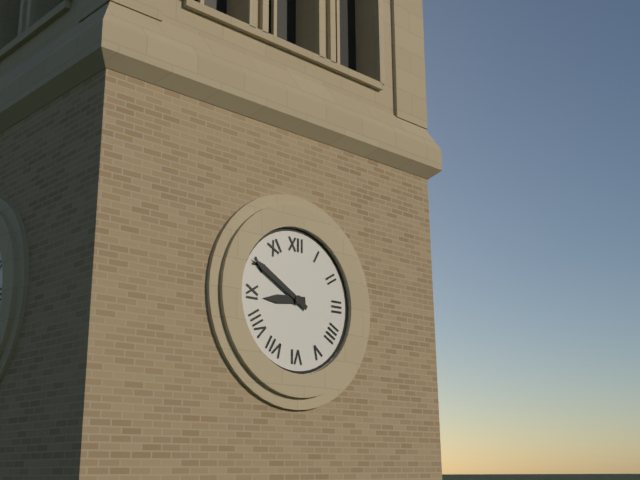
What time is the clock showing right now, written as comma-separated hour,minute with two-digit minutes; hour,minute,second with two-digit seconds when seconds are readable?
8,50
